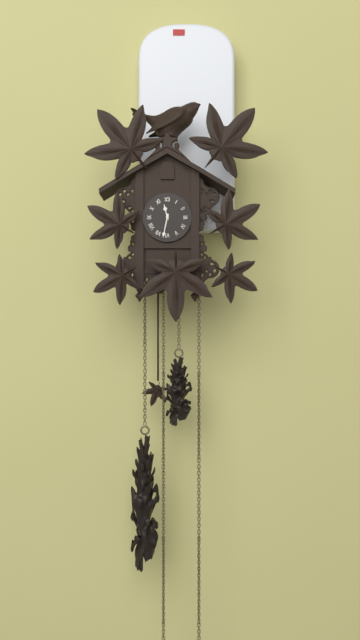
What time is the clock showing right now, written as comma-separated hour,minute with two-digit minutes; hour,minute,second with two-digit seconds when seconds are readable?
11,32
